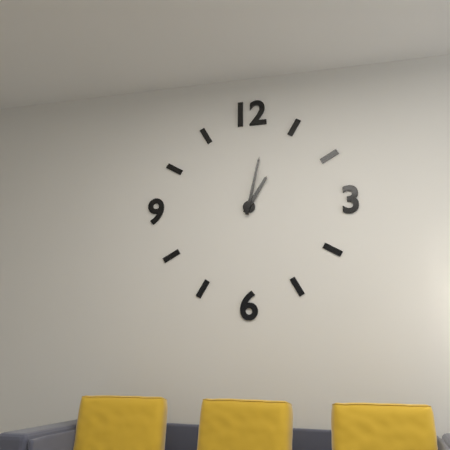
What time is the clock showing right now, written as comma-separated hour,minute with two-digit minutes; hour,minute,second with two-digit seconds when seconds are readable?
1,02
